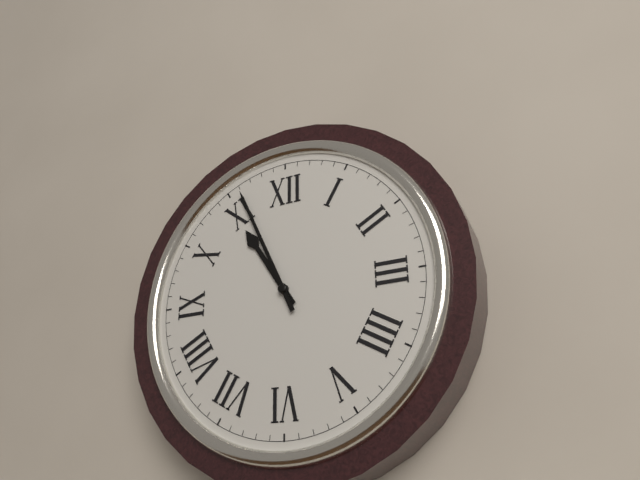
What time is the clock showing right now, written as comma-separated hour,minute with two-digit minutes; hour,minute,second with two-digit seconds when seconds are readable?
10,56
